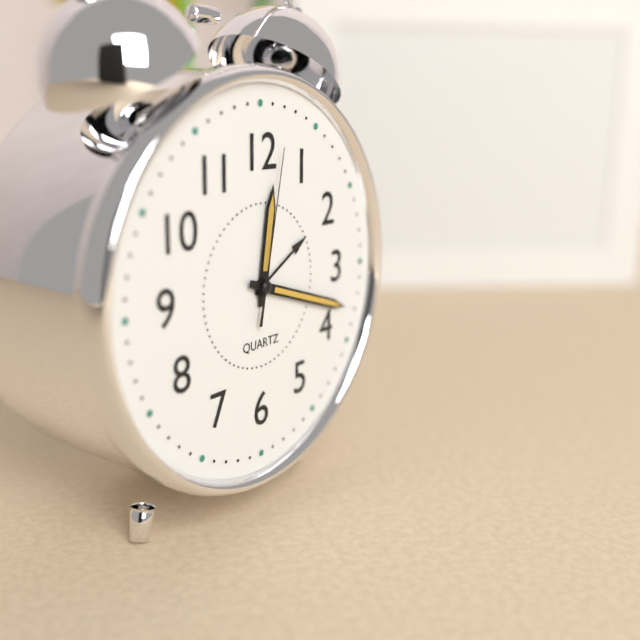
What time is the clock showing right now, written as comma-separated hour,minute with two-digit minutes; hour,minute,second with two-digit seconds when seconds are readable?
12,18,02
